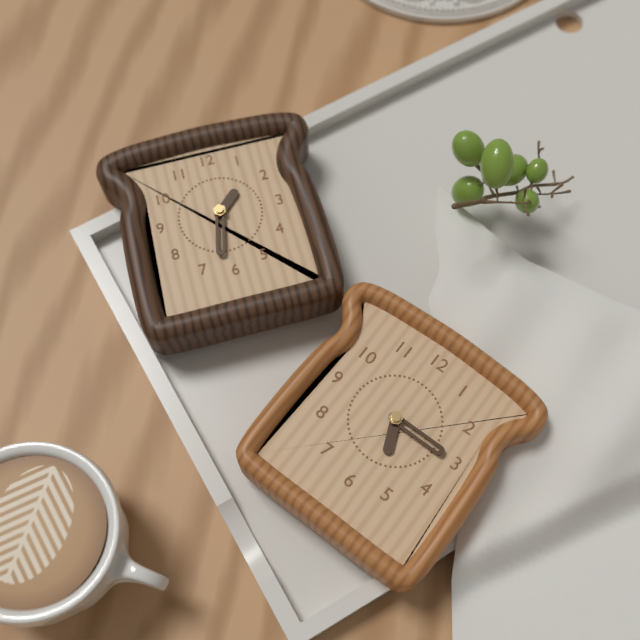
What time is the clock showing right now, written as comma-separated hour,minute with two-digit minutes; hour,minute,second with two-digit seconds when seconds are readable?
5,15
